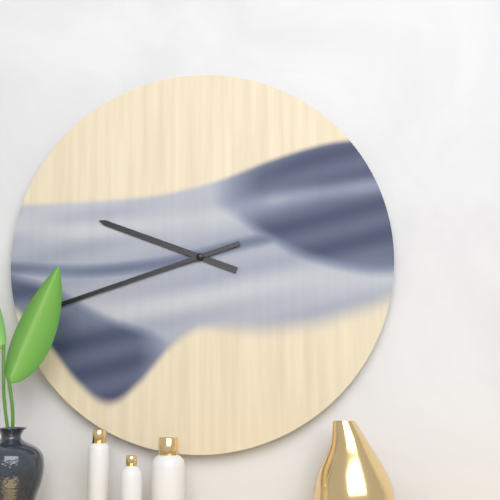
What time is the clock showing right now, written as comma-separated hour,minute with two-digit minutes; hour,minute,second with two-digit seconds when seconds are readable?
9,42
